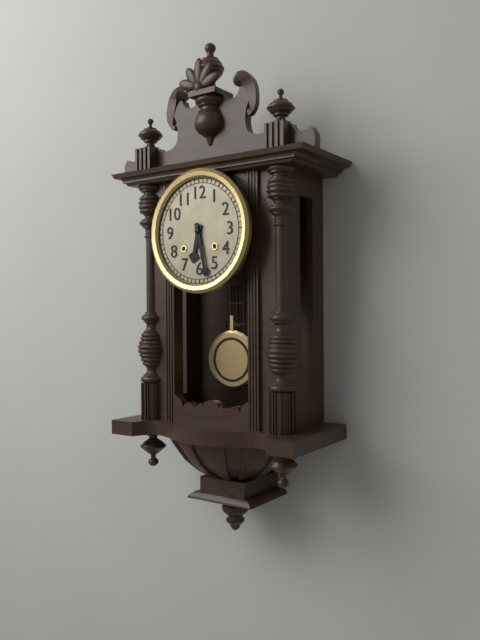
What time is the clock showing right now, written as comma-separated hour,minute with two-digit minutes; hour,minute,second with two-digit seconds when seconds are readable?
6,28
